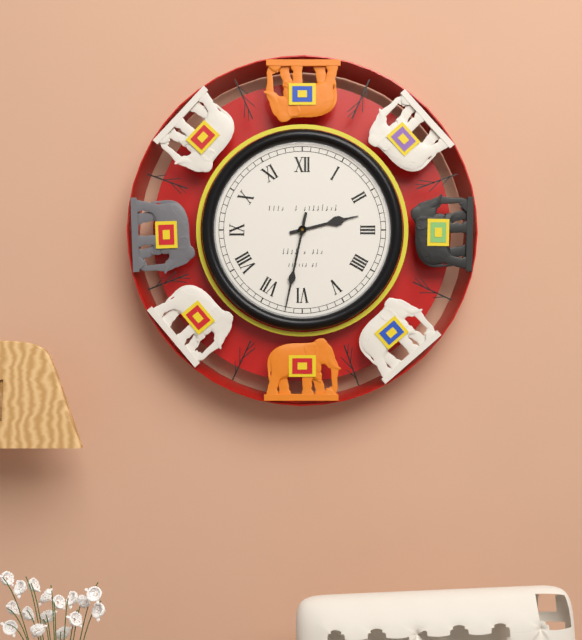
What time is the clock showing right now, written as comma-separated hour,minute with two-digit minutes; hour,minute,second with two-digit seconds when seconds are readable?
2,32
